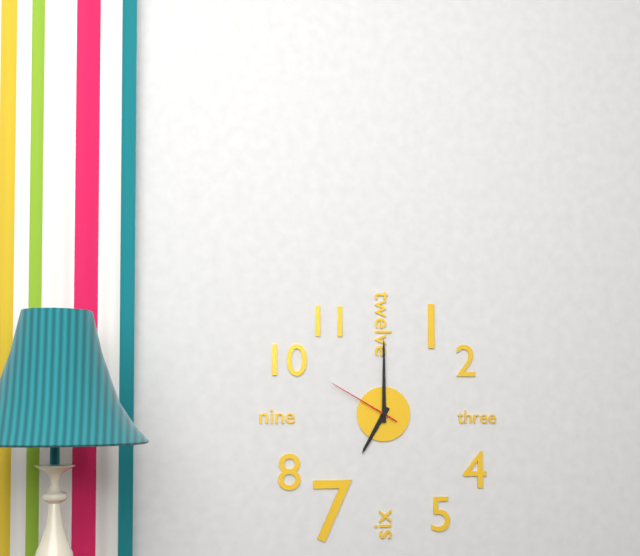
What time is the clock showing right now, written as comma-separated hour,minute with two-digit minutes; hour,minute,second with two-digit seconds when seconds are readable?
7,00,50
